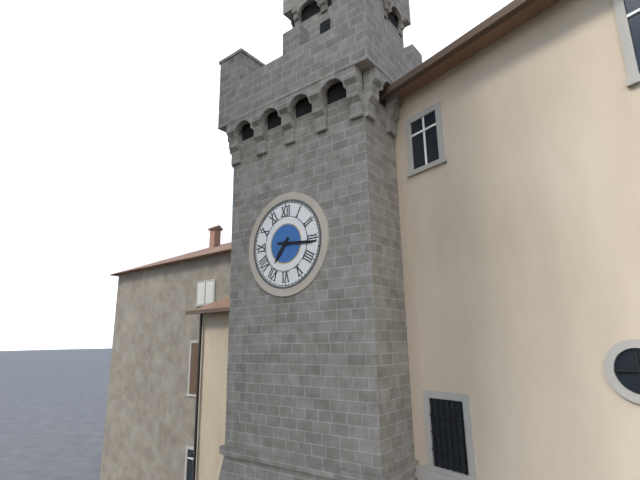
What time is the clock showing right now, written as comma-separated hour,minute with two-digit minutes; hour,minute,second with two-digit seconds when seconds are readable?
7,16
